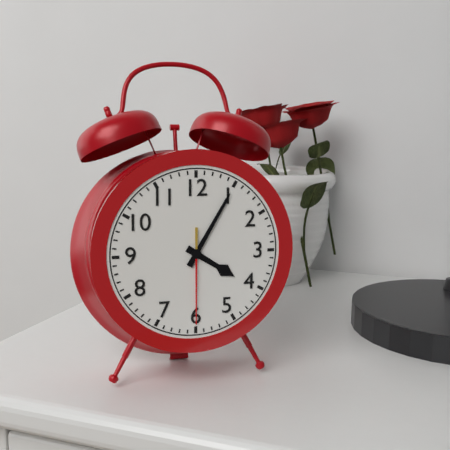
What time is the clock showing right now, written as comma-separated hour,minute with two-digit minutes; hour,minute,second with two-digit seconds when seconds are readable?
4,05,30
